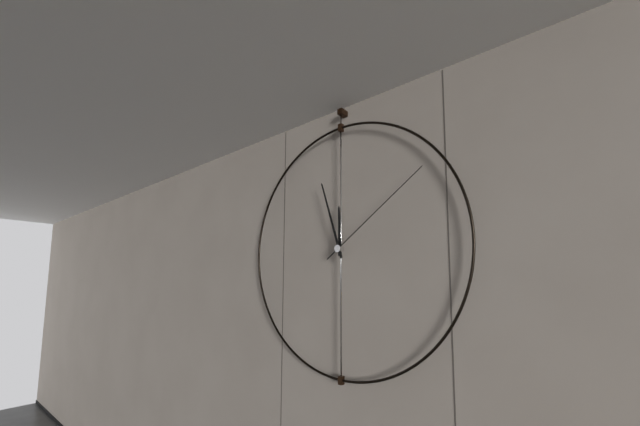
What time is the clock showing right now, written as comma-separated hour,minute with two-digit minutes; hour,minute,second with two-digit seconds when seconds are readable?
11,57,09
